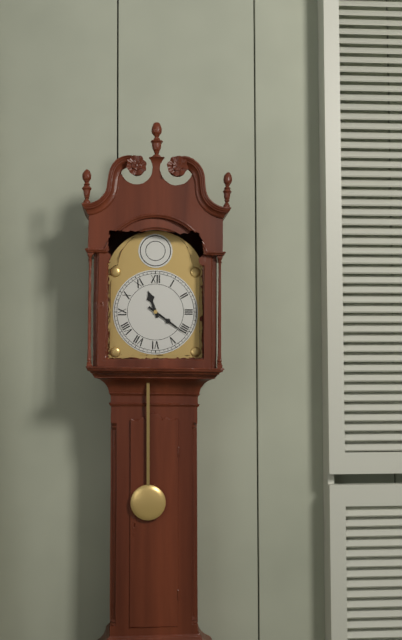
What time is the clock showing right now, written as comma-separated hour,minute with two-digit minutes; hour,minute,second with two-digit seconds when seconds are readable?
11,21
